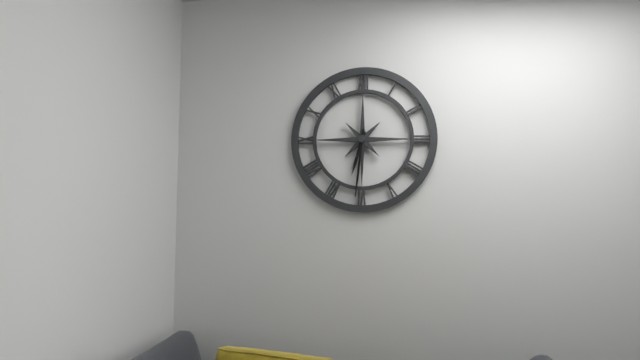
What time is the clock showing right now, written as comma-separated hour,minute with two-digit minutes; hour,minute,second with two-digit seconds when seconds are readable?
6,31
